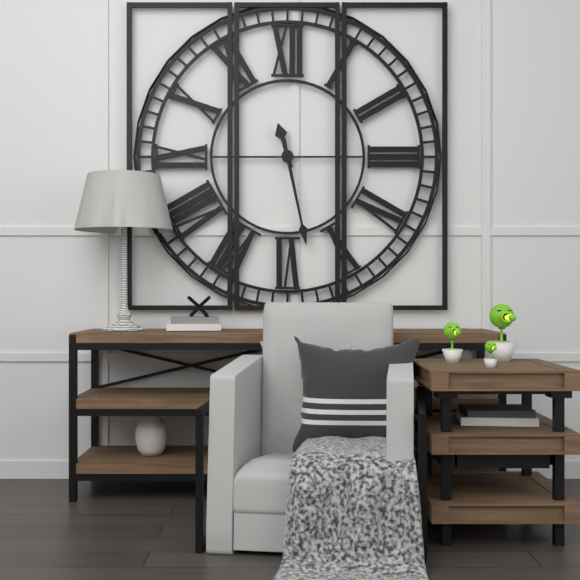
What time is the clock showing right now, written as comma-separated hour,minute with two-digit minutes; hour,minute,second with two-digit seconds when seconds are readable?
11,28
